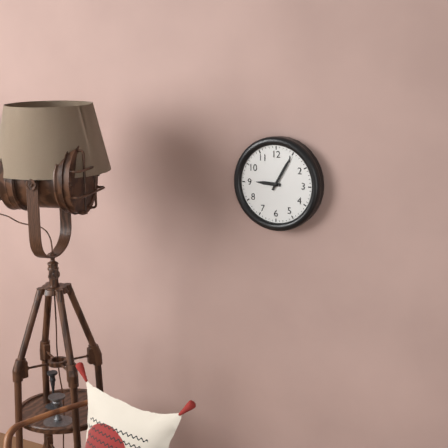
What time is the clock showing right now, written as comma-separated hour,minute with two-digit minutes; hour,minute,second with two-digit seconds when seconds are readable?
9,05
